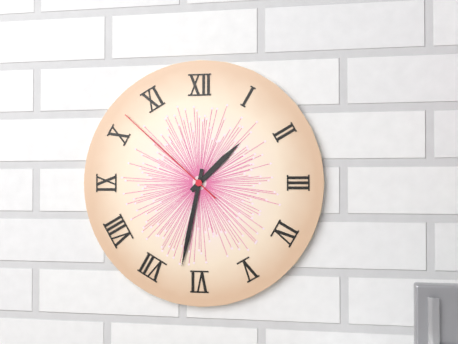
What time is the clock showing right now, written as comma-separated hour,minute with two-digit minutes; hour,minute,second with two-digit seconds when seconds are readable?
1,32,52
